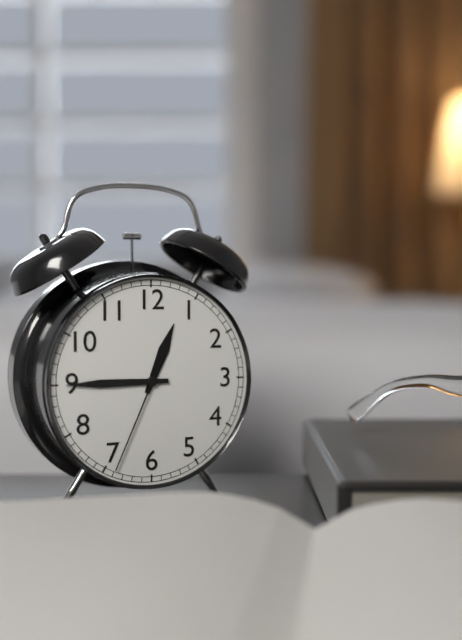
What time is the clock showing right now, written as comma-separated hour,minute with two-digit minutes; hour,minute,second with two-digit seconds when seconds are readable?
12,45,34
